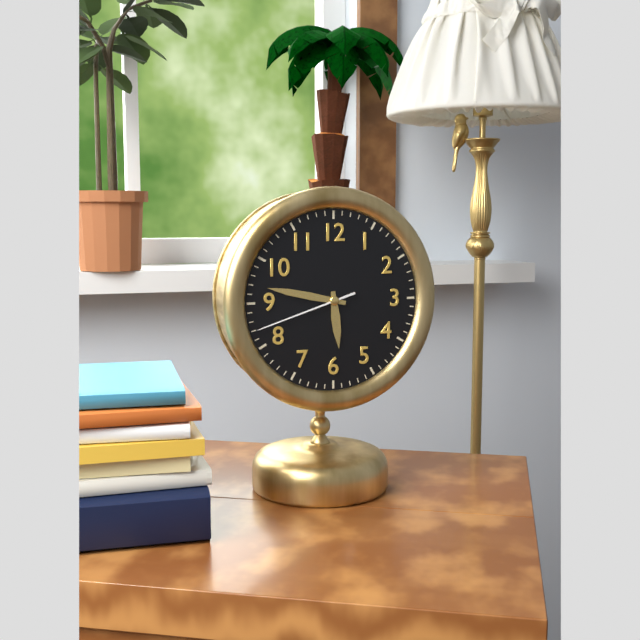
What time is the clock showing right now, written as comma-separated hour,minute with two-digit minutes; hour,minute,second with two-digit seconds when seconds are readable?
5,47,42
